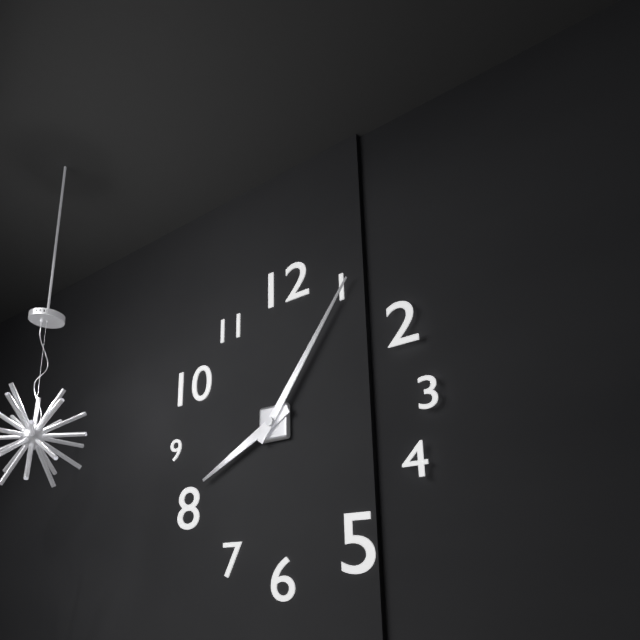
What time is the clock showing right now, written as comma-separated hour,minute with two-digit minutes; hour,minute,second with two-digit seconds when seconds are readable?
8,06
